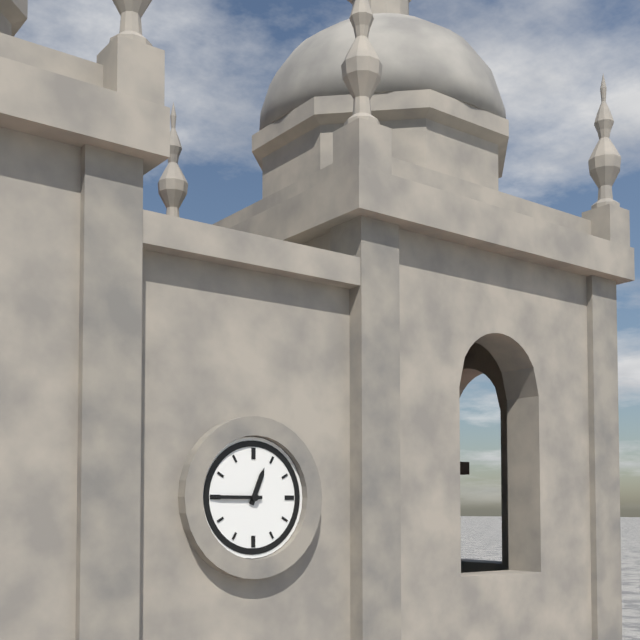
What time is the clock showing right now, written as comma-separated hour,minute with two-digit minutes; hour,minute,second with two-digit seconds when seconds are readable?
12,45
